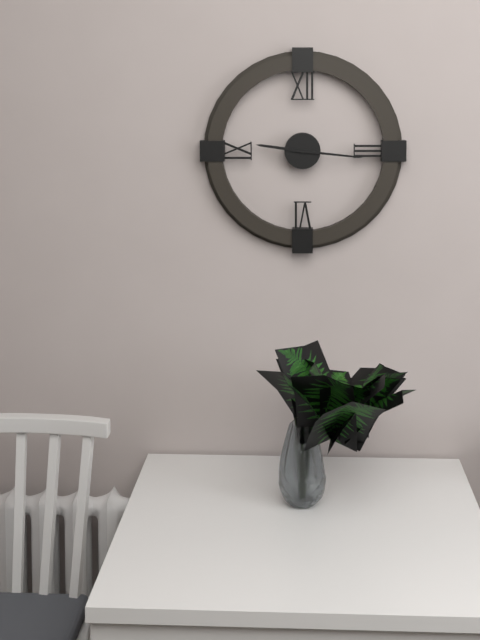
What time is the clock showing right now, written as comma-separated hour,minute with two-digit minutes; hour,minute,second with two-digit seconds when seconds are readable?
9,16
